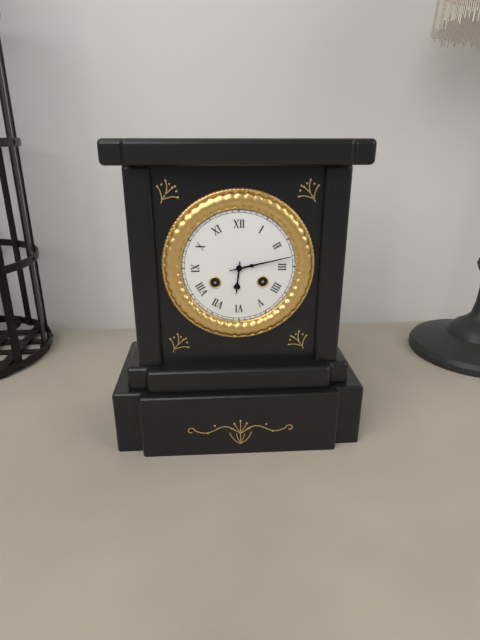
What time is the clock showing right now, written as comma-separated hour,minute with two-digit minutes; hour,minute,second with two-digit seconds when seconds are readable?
6,13
